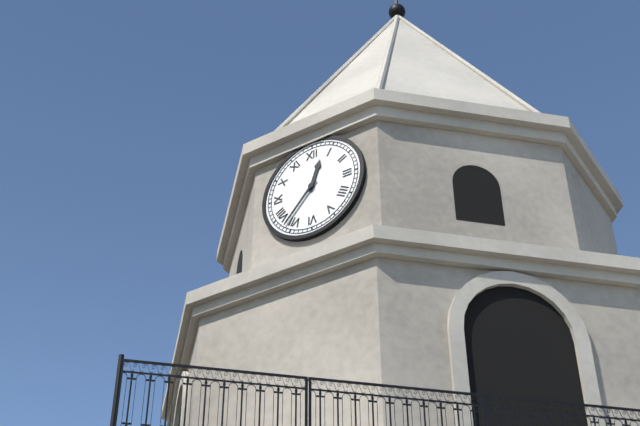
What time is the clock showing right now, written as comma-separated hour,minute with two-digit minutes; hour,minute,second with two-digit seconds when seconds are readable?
12,37
